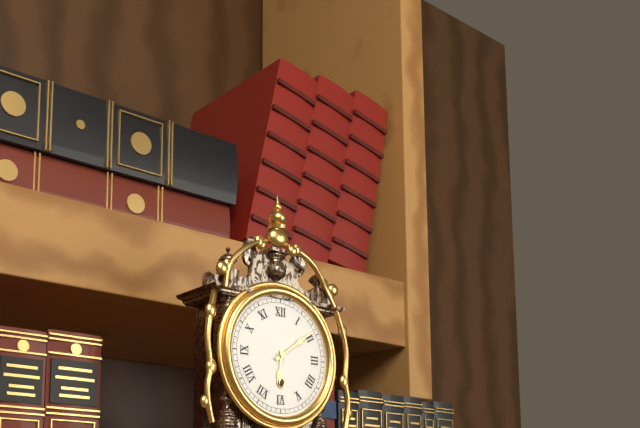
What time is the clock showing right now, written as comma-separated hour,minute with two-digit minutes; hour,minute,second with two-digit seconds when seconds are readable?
6,09
